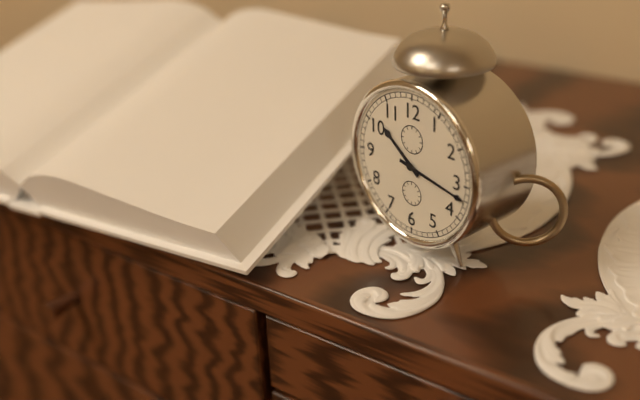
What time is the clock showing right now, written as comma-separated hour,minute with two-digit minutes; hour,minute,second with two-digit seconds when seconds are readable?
10,17
